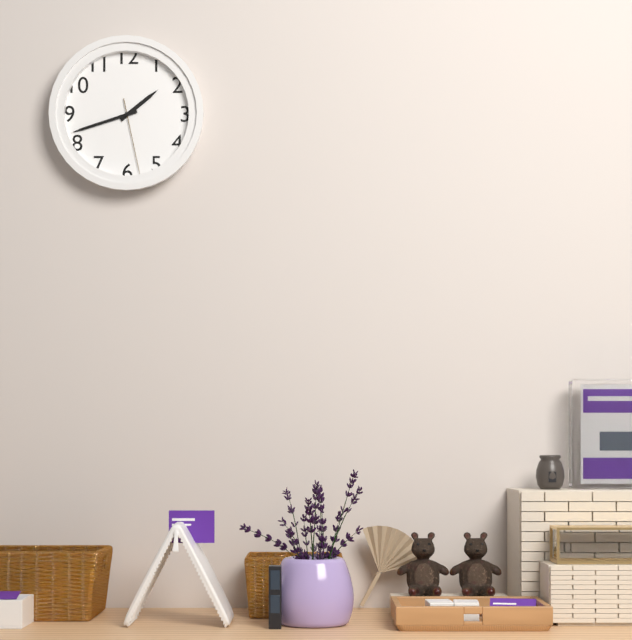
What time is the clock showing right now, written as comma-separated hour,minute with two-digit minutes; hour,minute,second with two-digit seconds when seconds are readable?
1,42,28
